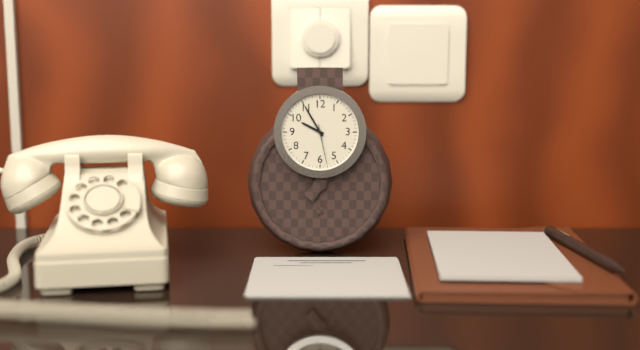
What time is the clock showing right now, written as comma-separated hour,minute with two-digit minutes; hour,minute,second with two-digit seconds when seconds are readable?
9,55
